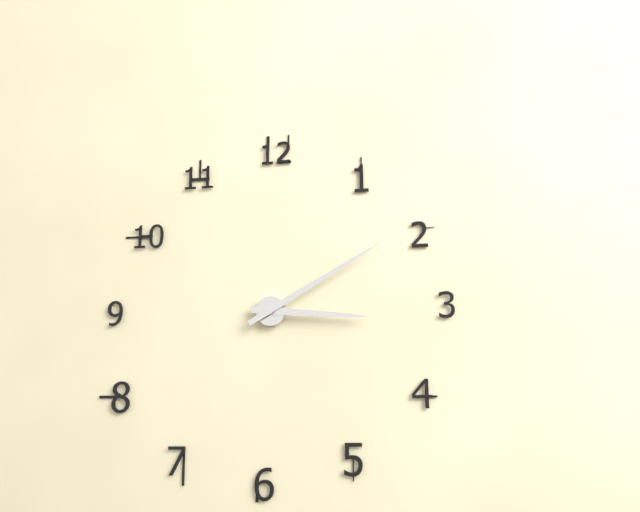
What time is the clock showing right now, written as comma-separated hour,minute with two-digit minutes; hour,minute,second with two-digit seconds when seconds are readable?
3,10
